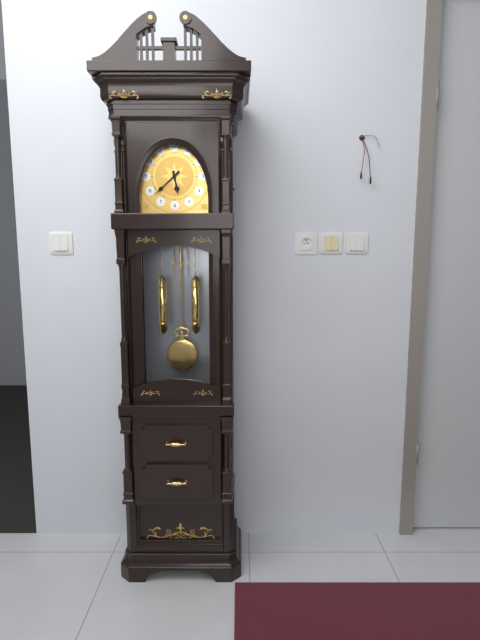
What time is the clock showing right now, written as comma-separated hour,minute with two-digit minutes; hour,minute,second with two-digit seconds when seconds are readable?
5,38
